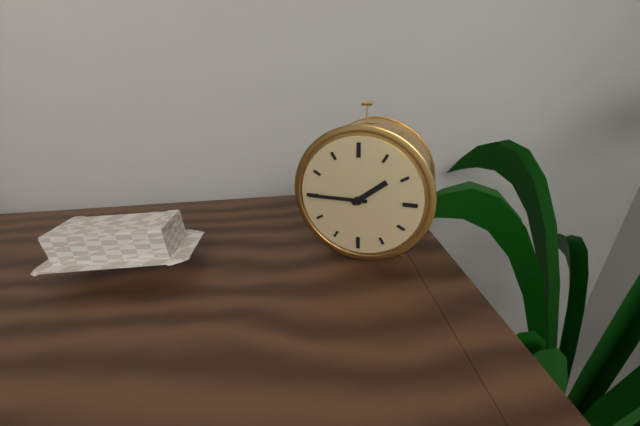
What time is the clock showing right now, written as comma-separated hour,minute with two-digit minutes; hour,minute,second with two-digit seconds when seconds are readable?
1,45
